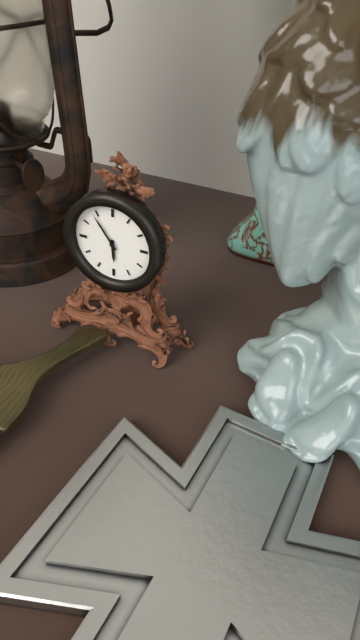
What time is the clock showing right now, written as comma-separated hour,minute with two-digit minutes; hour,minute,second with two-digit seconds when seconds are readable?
5,54
